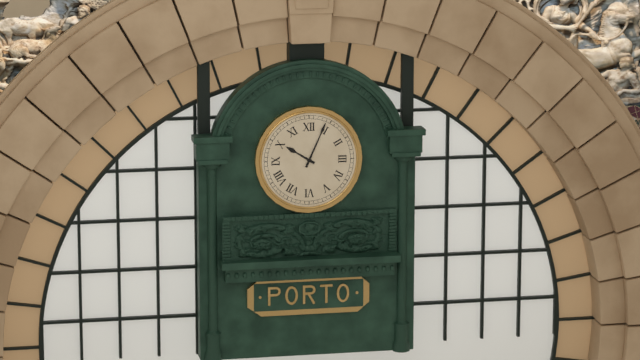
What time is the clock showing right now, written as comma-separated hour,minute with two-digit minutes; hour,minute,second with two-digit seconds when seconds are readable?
10,04
